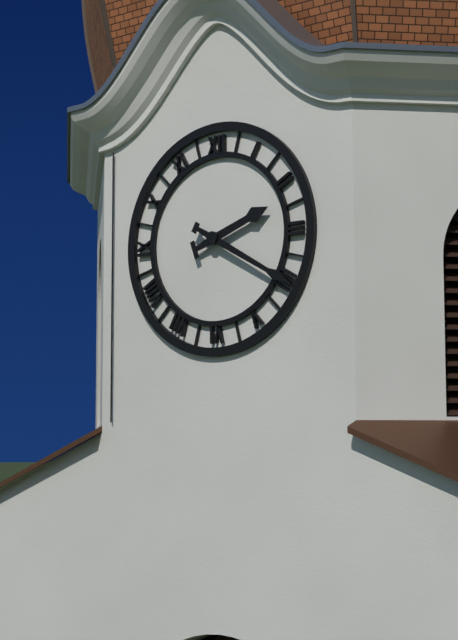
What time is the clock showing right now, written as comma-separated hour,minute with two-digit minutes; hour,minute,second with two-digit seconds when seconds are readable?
2,20
